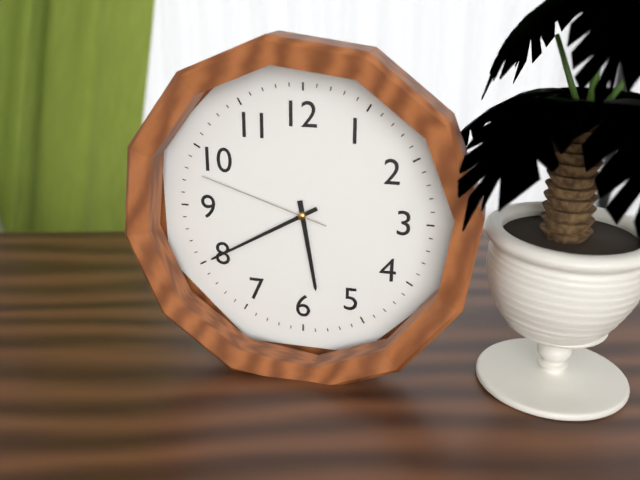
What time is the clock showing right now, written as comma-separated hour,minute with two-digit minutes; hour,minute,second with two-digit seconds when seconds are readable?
5,40,48
